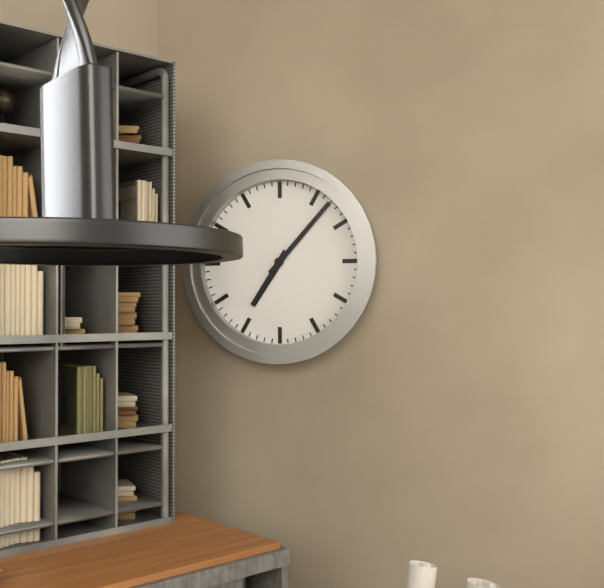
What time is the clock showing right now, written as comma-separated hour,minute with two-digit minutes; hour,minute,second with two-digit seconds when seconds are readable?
7,07
